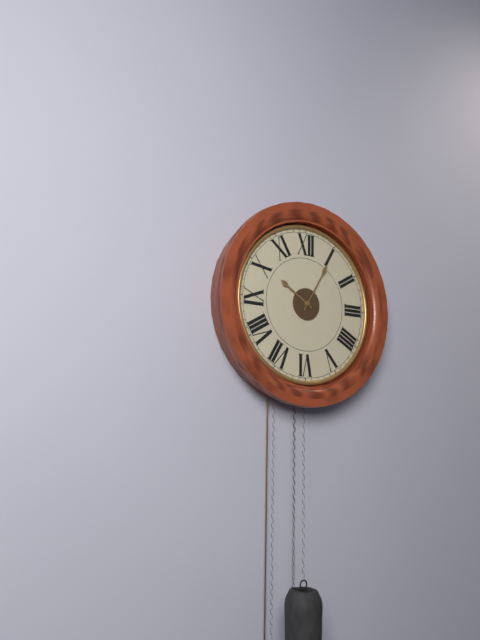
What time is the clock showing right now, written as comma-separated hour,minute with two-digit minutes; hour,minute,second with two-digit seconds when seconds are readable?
10,05
